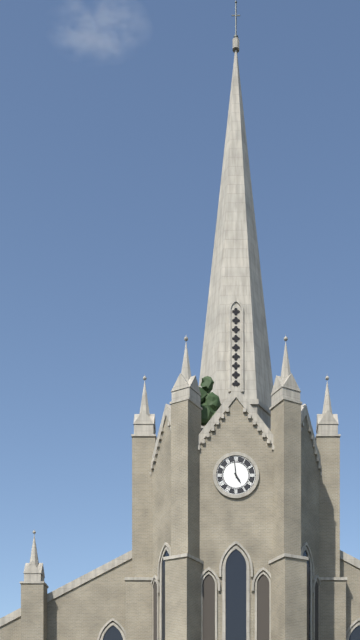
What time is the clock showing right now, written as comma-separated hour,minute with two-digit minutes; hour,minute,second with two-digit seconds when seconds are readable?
4,59
